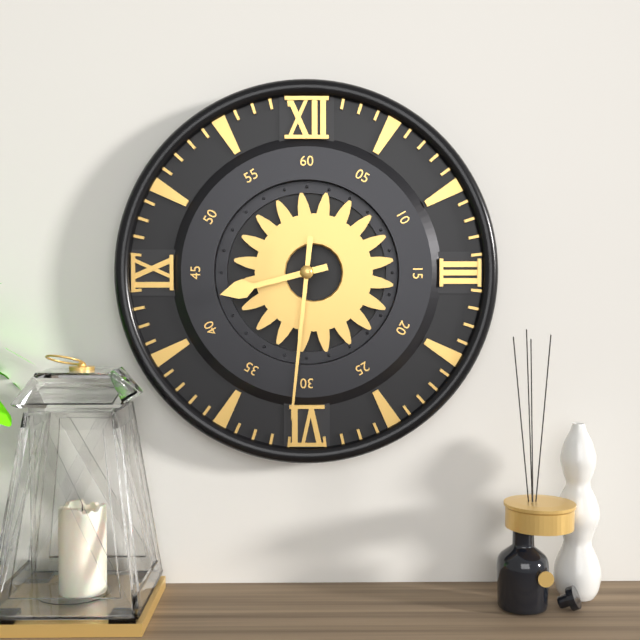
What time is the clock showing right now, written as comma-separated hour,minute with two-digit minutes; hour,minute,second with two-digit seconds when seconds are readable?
8,31
